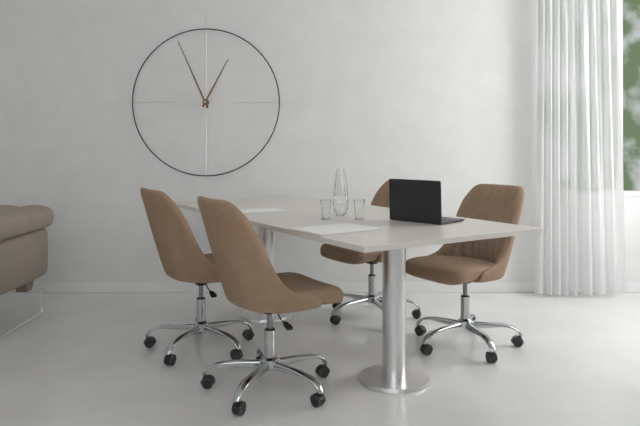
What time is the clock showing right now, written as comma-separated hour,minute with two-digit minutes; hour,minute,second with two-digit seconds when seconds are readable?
12,56
